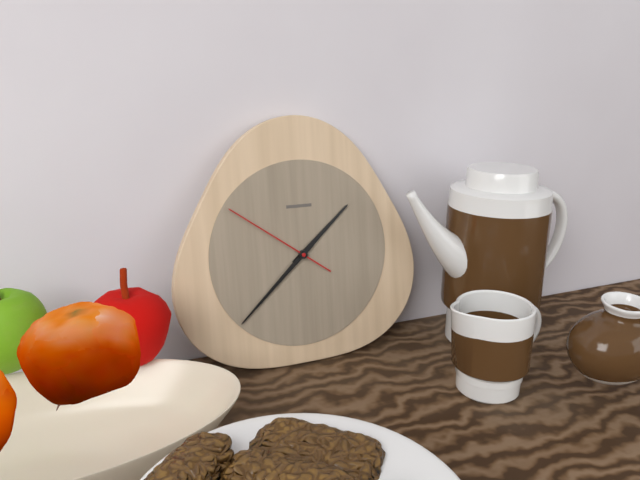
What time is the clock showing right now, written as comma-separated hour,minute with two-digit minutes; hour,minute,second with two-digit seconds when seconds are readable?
1,38,51
